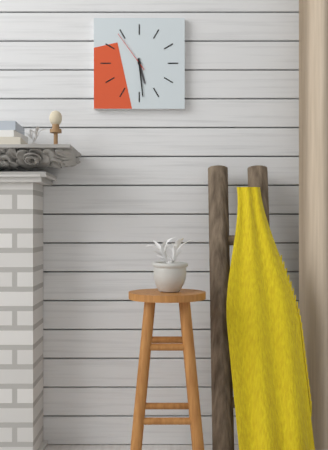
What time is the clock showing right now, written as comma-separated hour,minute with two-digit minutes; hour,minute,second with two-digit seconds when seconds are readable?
5,29
